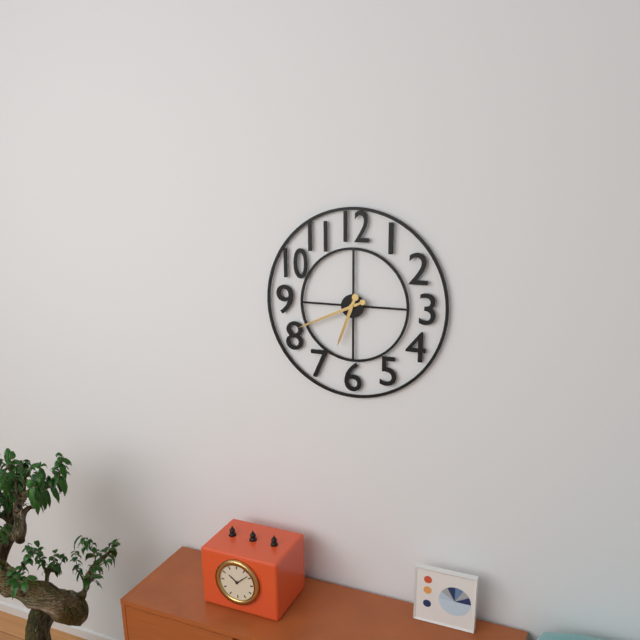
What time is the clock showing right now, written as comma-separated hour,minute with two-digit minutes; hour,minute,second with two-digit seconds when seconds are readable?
6,41
